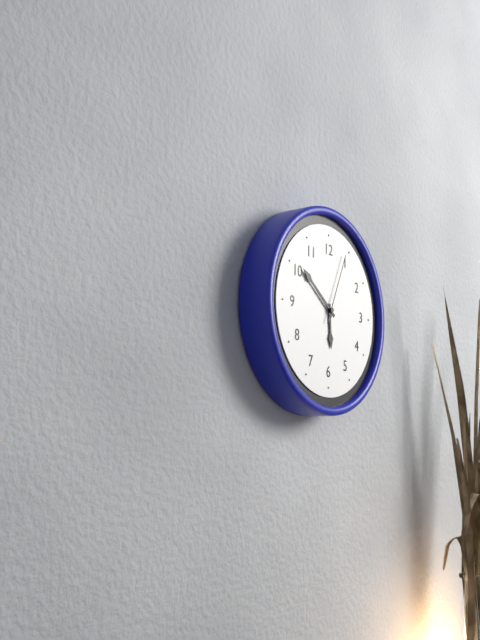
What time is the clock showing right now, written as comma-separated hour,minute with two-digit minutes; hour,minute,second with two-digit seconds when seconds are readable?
5,51,04
